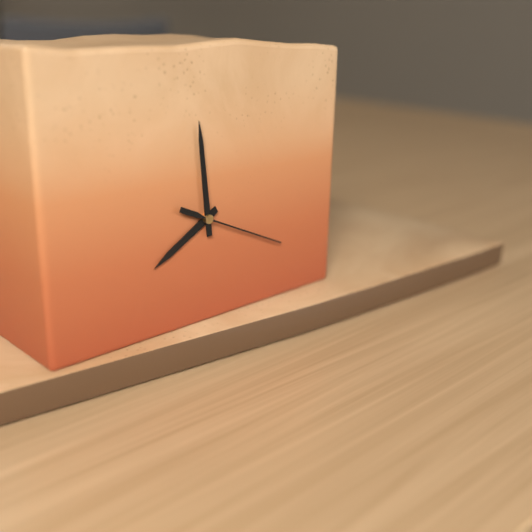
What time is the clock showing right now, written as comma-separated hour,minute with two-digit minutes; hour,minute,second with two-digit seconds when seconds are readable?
7,59,19
